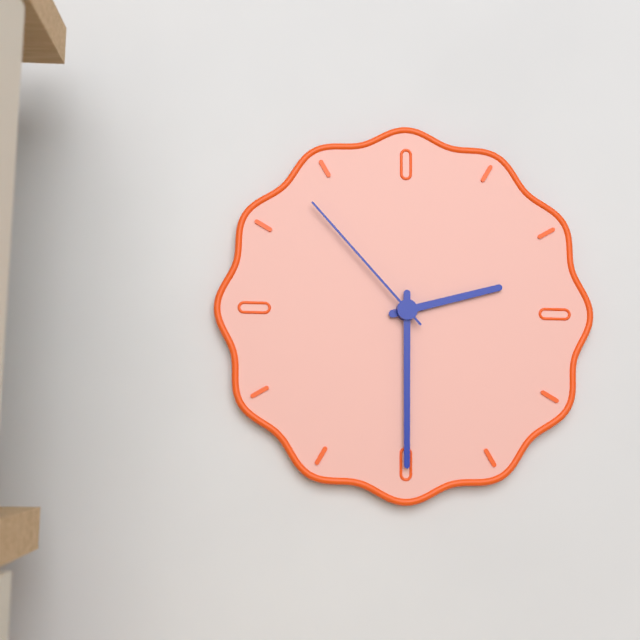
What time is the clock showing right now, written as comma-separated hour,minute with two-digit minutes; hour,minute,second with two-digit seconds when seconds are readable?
2,30,53
